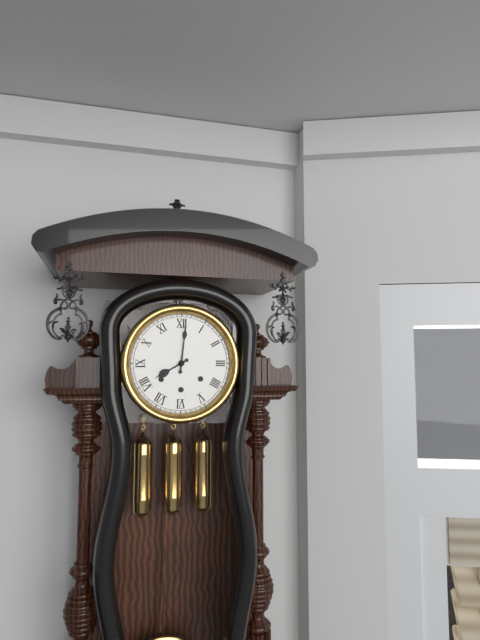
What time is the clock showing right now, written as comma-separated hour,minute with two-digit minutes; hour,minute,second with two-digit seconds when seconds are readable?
8,01
